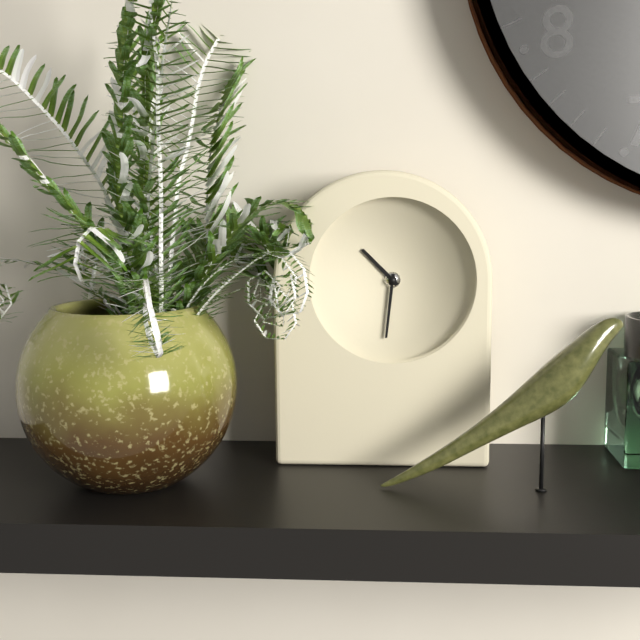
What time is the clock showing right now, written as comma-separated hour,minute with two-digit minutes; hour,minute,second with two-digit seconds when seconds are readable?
10,31
